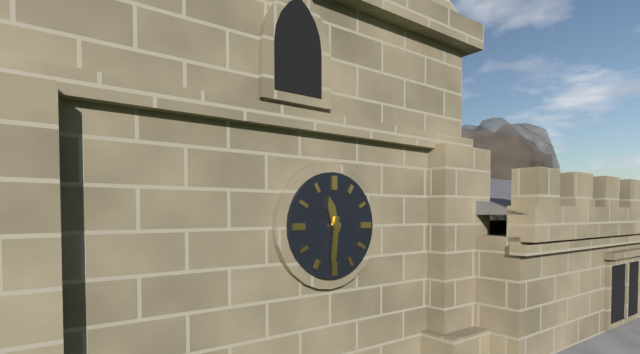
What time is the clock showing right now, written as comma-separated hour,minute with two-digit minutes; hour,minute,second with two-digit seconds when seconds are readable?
11,31
